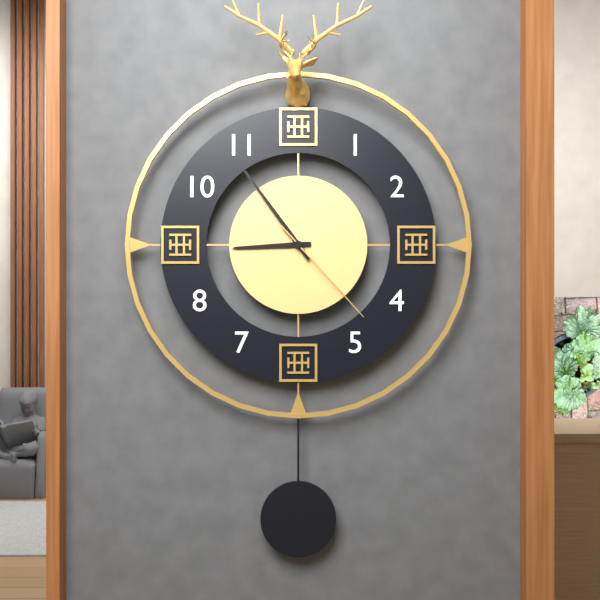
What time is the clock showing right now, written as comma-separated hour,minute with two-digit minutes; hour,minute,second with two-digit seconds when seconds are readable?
8,54,23
